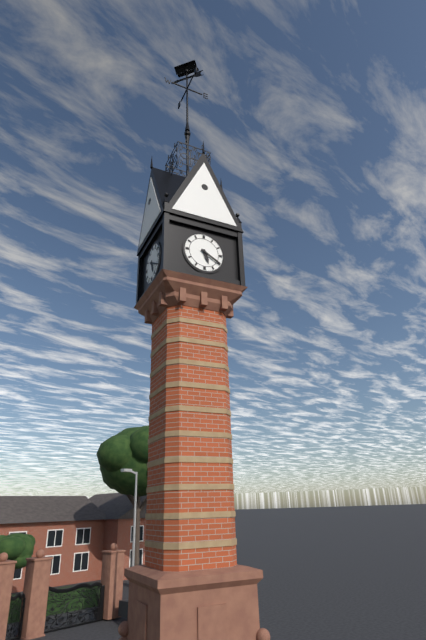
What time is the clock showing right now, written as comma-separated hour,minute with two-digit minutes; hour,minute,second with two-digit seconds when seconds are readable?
5,20
